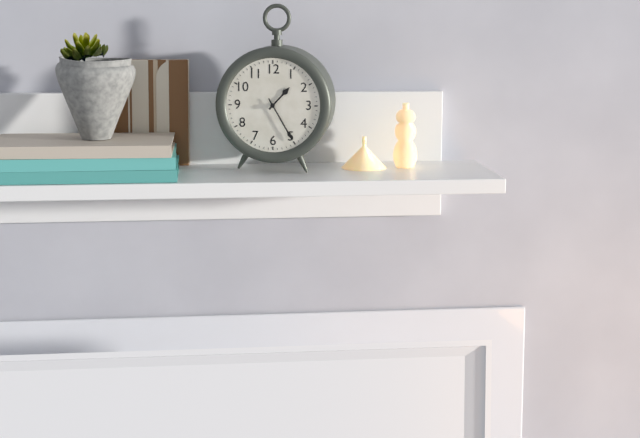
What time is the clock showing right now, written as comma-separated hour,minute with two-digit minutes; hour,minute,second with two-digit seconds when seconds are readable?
1,25
